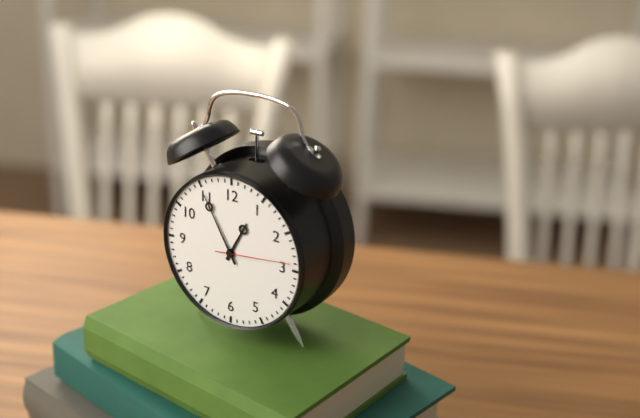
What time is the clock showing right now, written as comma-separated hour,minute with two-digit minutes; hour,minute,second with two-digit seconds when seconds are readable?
12,55,14
